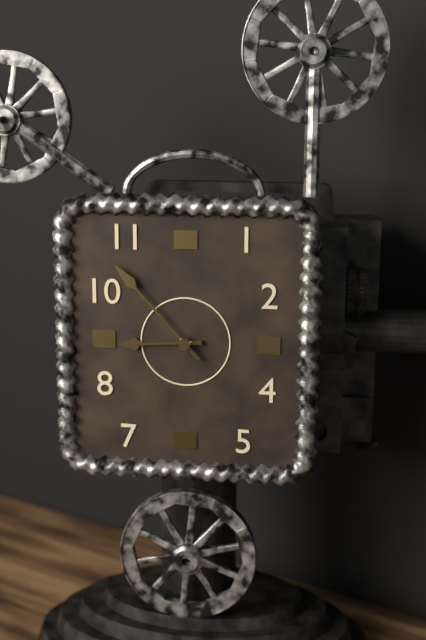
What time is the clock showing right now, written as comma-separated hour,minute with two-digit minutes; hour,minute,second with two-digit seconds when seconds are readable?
8,53
